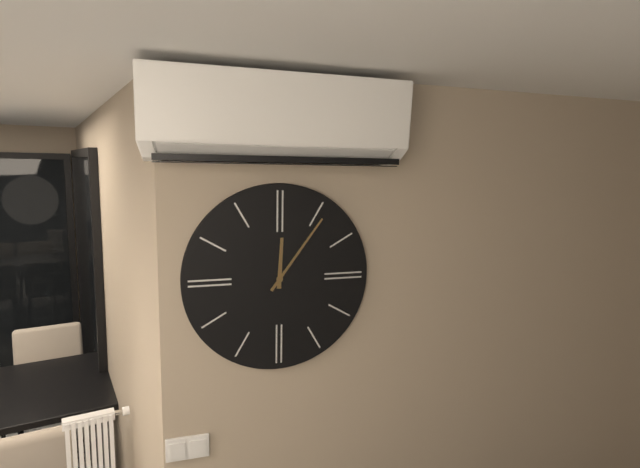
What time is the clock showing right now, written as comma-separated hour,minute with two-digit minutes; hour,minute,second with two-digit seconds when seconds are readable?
12,06
